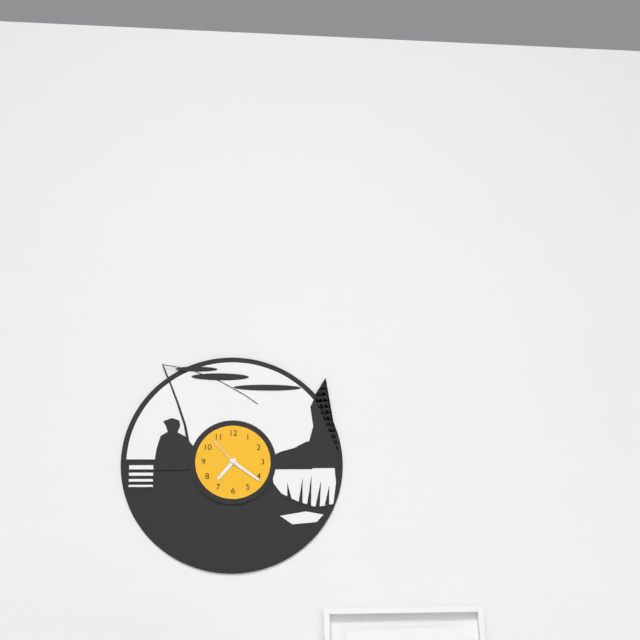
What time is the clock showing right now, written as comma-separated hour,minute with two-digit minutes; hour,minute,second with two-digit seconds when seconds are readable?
7,21
